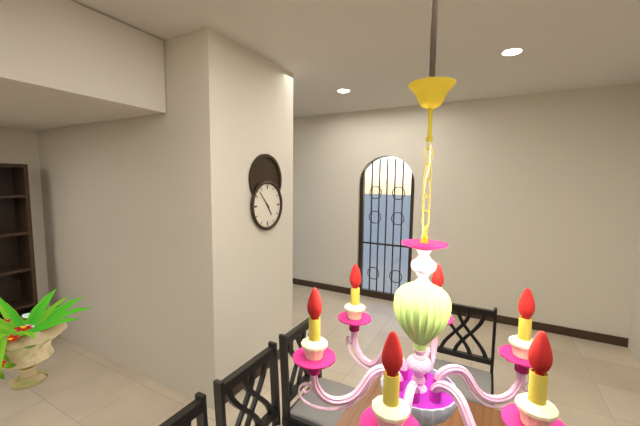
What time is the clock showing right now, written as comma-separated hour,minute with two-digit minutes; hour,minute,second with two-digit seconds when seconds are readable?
4,53
